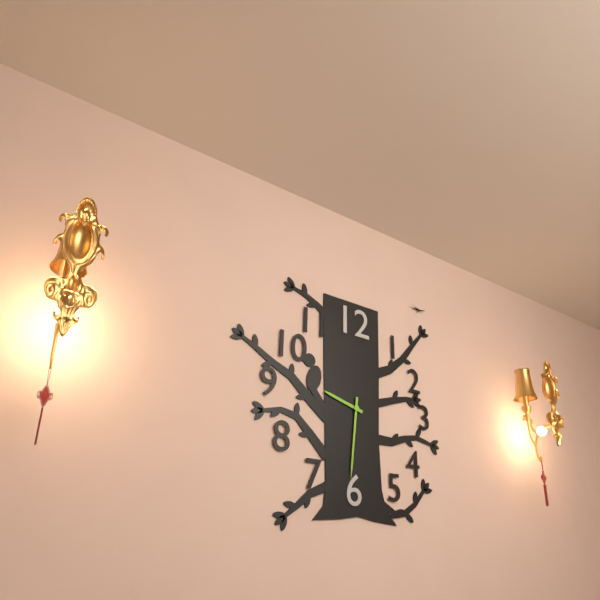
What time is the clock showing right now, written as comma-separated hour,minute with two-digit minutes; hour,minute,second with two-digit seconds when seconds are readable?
9,31
